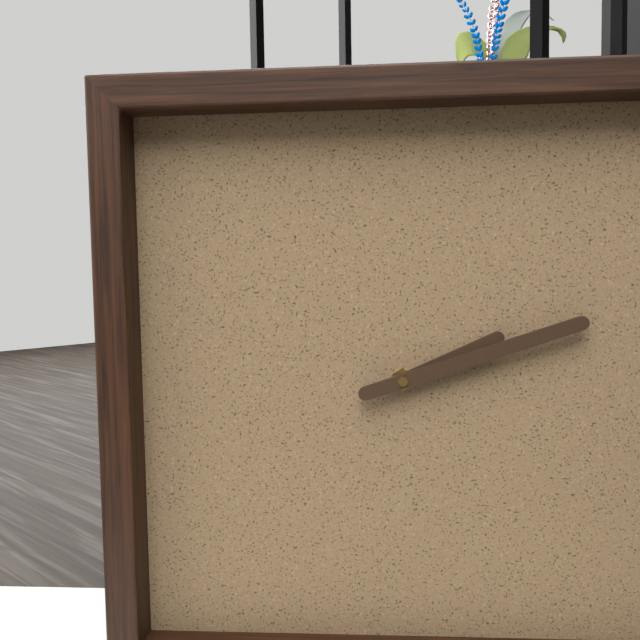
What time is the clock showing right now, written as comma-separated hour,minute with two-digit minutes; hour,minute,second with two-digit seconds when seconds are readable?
2,12
